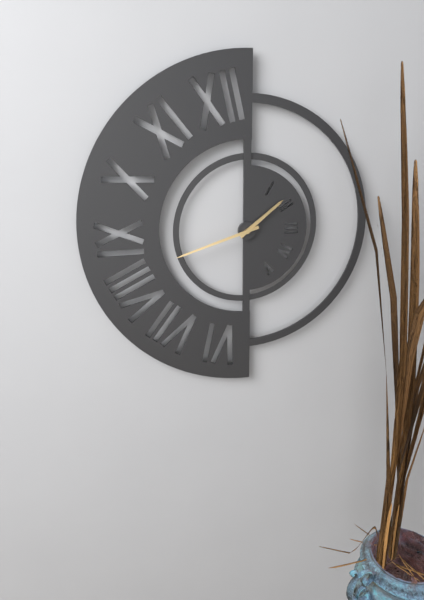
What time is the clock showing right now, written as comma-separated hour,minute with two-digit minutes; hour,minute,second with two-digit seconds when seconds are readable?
1,42
